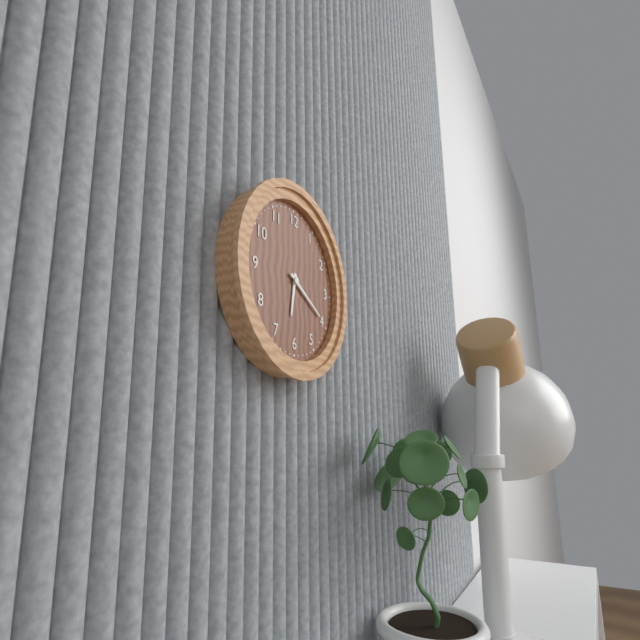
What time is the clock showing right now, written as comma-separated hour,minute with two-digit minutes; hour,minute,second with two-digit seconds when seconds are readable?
6,20
